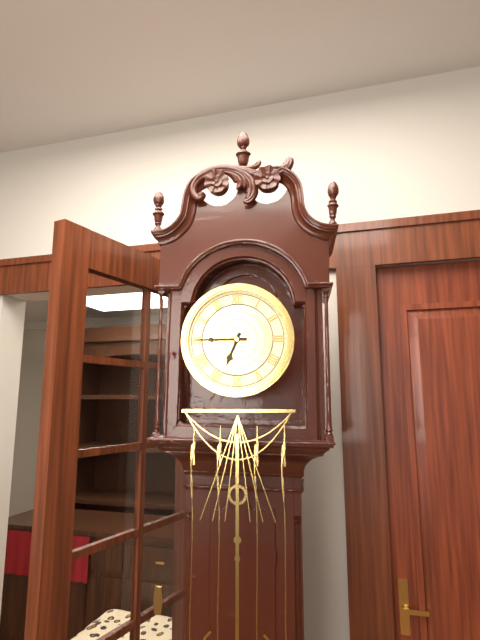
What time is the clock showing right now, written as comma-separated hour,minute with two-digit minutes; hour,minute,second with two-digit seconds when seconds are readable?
6,45
